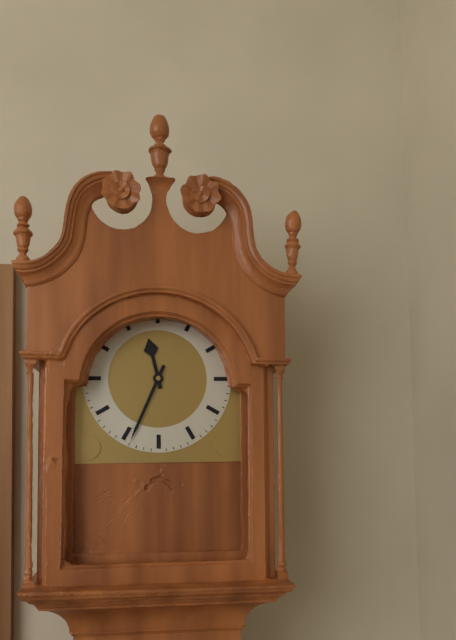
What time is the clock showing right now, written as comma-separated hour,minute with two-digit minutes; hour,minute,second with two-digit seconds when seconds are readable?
11,34
